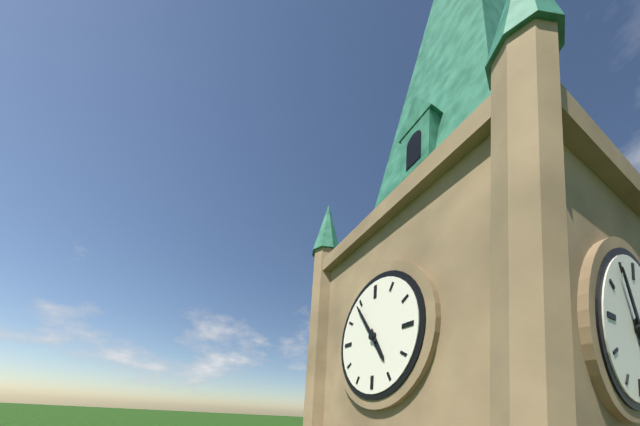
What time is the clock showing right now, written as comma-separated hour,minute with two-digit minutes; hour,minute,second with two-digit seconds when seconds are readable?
4,54
